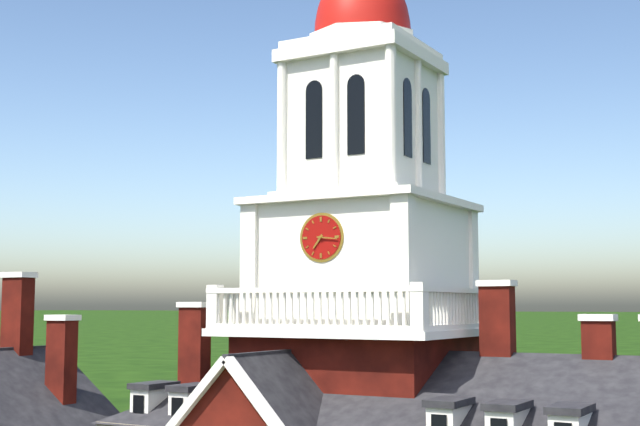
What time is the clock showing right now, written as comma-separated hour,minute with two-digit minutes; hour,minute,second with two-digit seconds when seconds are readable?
7,16
